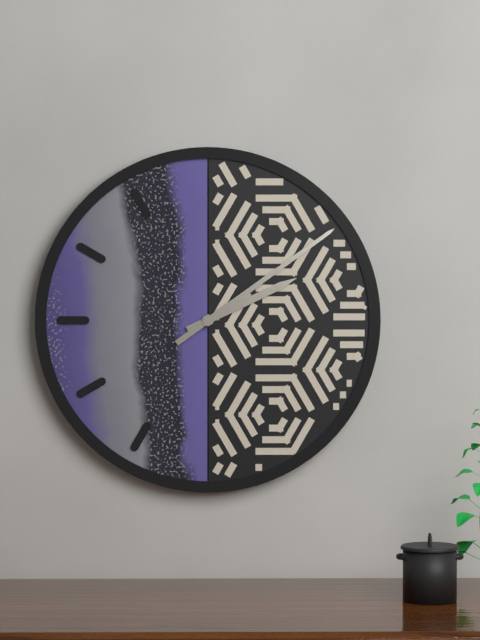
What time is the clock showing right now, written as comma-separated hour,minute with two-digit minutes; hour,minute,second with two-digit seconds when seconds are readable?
2,09
